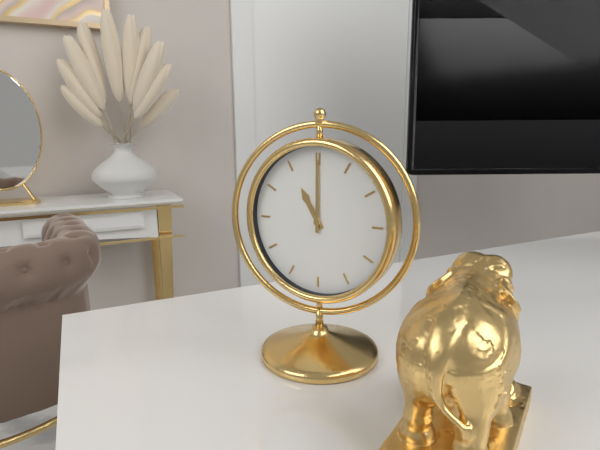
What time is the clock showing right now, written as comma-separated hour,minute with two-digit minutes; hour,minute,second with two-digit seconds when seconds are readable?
11,00
